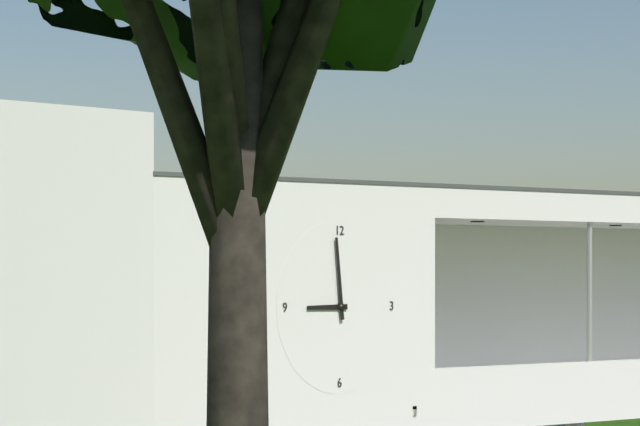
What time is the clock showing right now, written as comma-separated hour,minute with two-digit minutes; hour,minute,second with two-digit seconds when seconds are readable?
8,59
